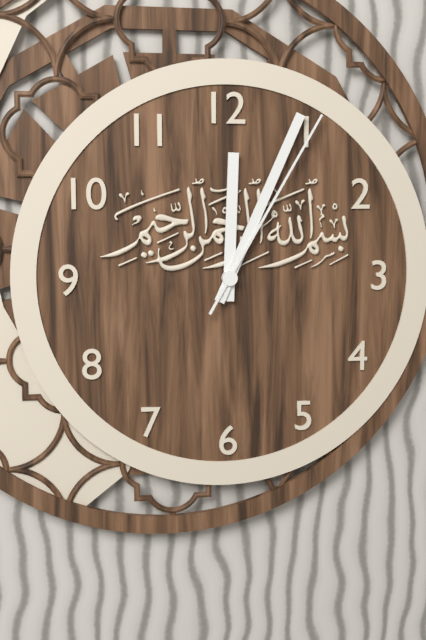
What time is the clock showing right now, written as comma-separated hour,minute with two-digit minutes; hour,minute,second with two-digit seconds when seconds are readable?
12,04,05
